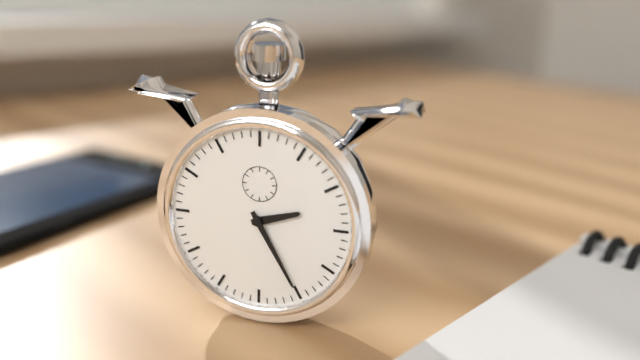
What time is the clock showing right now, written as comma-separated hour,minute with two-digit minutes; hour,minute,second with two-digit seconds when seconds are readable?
2,25
